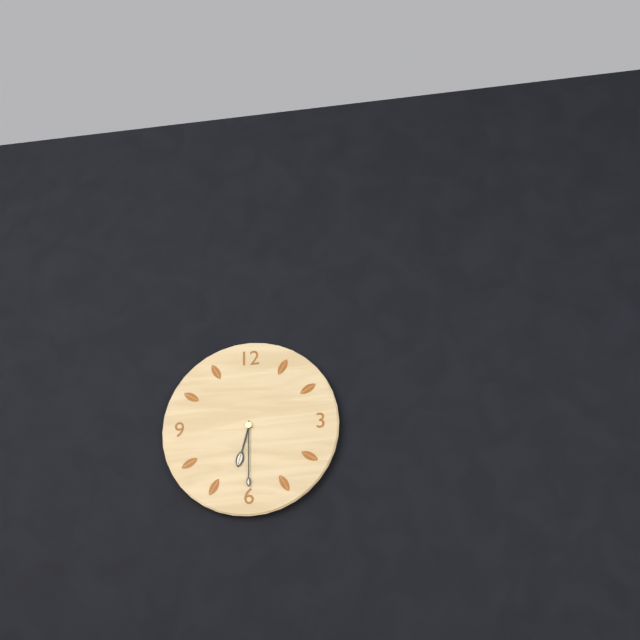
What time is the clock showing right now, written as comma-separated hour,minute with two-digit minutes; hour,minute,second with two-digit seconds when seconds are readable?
6,30
